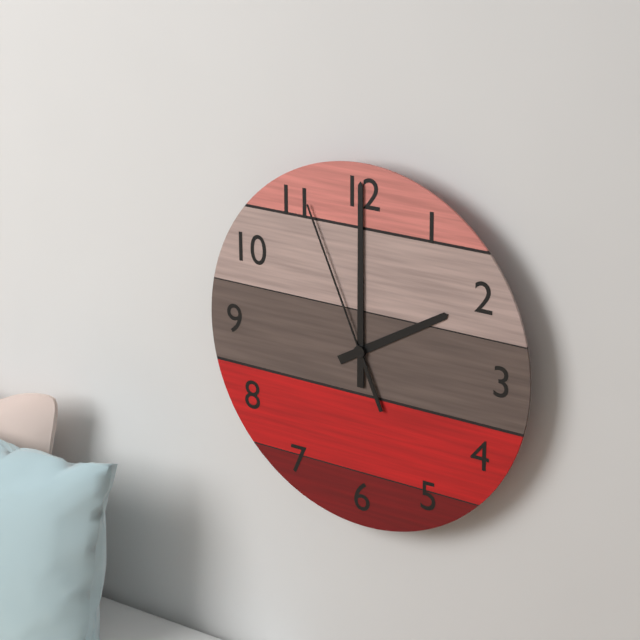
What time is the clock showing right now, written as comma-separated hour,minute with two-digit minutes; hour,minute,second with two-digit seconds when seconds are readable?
2,00,56
